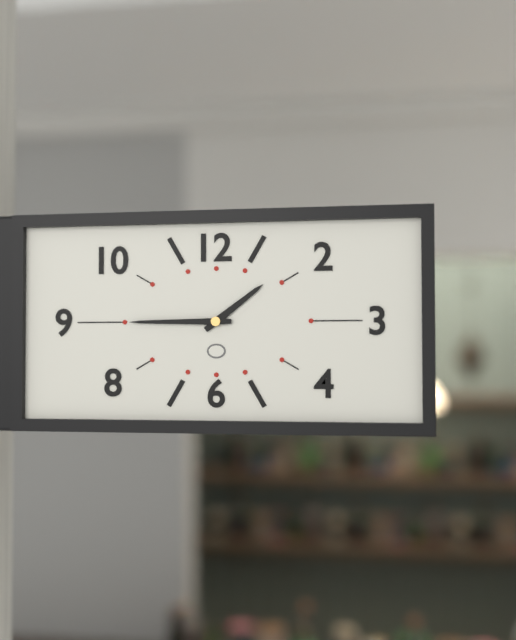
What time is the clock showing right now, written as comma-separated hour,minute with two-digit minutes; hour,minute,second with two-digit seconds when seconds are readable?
1,45
